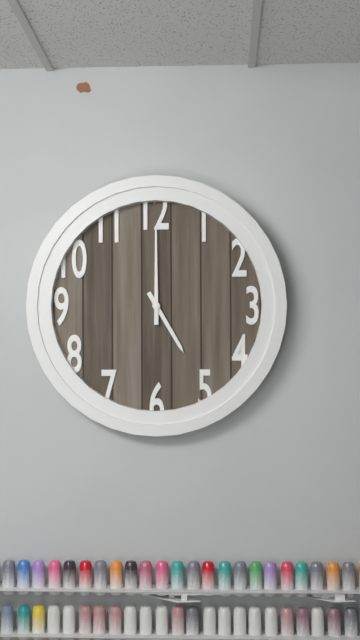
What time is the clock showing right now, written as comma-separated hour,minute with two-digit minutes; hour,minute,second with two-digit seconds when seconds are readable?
5,00
